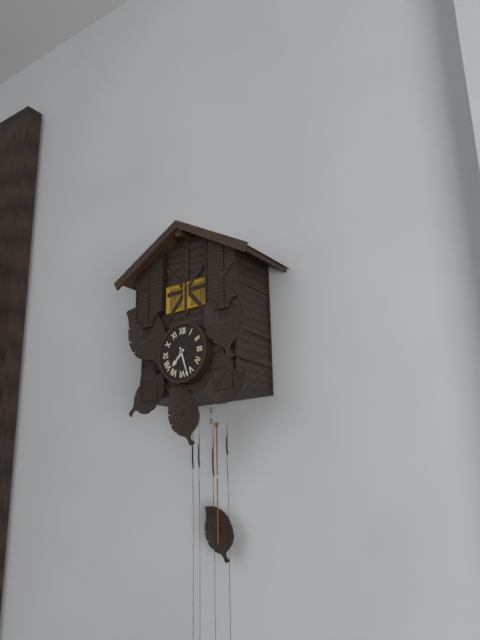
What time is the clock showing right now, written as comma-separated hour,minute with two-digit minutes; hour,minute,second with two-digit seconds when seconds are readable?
7,27
